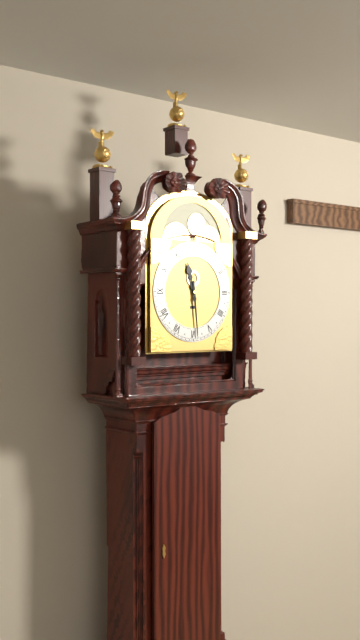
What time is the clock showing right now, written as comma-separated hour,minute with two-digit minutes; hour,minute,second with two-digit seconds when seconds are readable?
11,29
